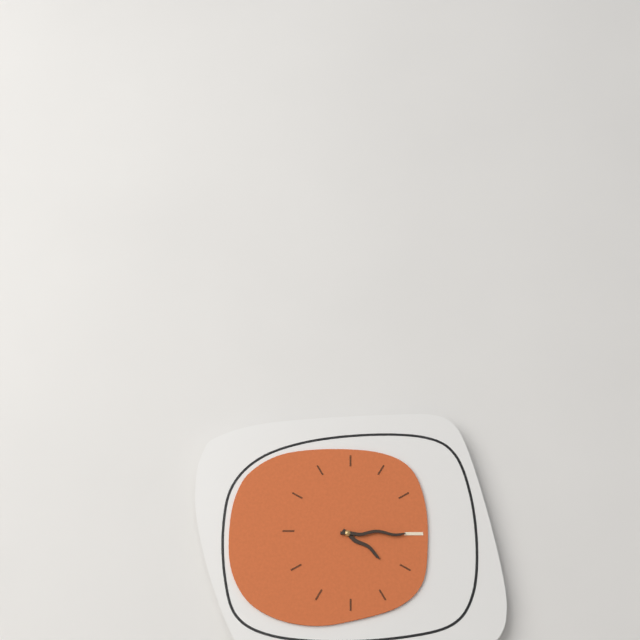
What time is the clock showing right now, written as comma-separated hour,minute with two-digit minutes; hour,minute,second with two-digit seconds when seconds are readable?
4,15
